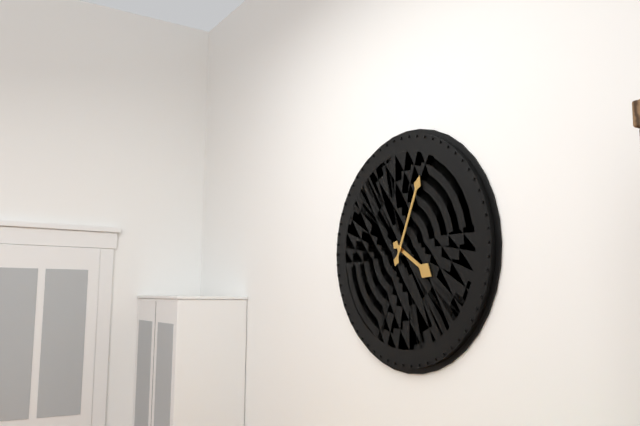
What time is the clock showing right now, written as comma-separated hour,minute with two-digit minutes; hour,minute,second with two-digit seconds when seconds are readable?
4,04
